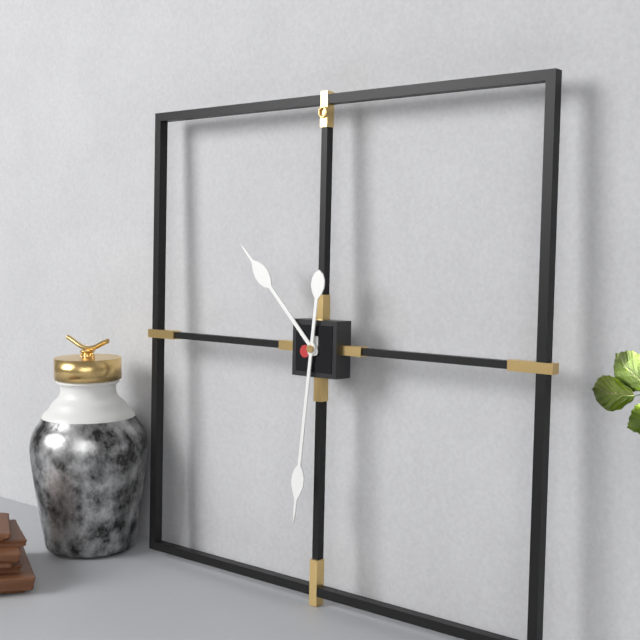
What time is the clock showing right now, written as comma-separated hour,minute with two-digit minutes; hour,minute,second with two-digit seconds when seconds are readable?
10,31
